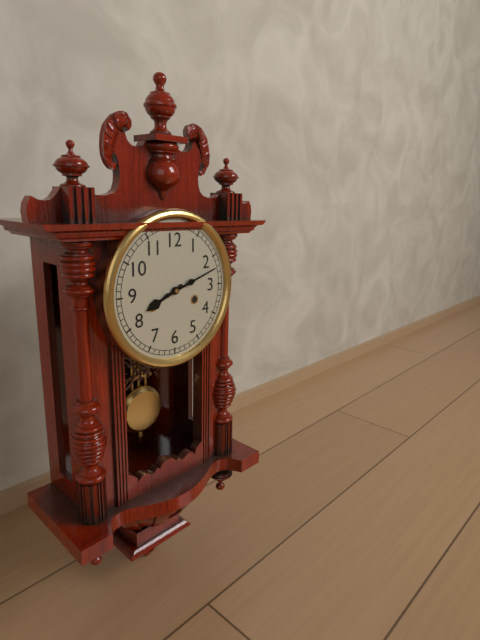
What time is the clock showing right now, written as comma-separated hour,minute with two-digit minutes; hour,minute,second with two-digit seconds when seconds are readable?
8,12
